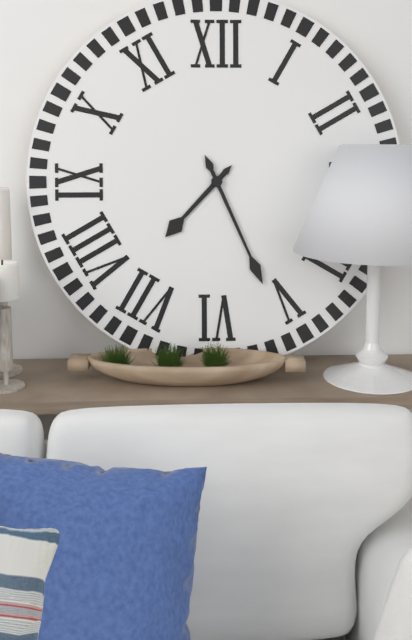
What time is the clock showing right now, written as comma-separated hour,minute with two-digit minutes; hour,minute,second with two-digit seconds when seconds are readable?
7,26
